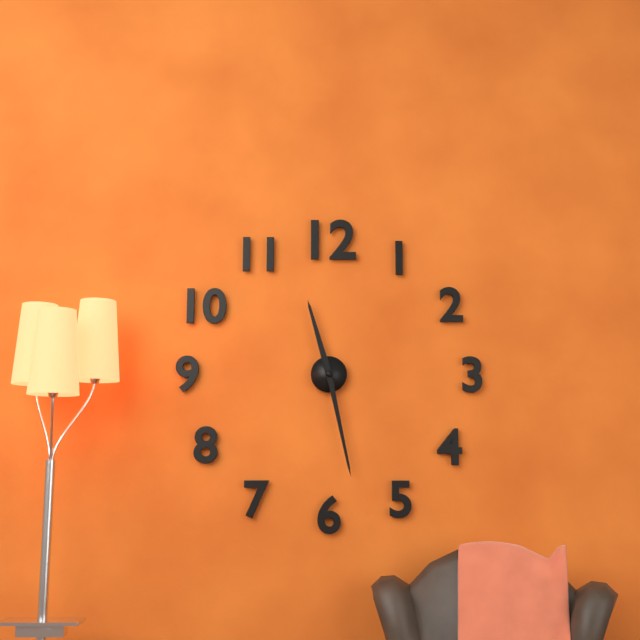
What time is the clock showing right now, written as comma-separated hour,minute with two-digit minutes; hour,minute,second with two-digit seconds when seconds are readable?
11,28
